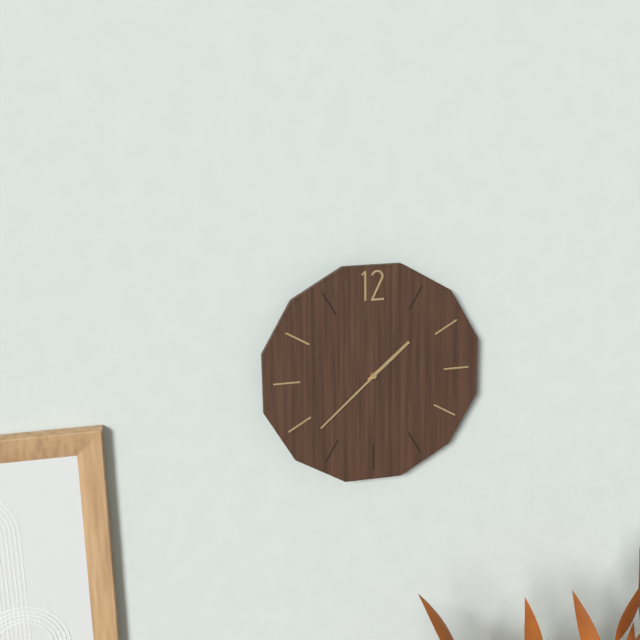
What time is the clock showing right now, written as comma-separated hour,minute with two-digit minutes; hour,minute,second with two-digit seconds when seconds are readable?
1,38
